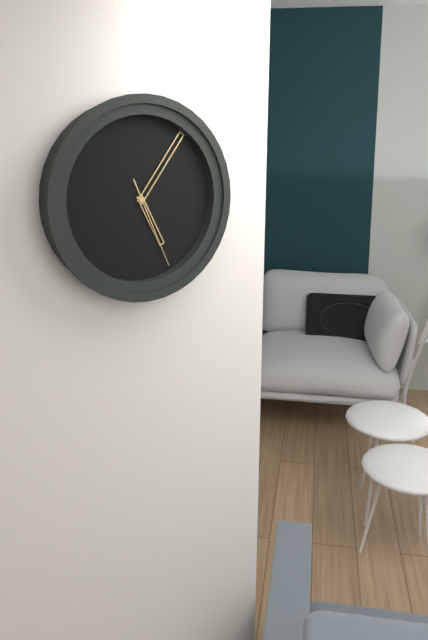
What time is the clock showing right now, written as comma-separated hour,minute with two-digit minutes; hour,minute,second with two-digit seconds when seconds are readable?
5,06,26
